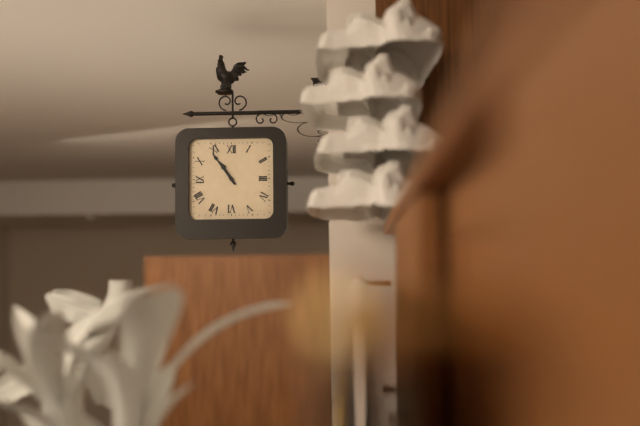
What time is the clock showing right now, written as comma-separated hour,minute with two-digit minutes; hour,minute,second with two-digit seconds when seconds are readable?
10,54
